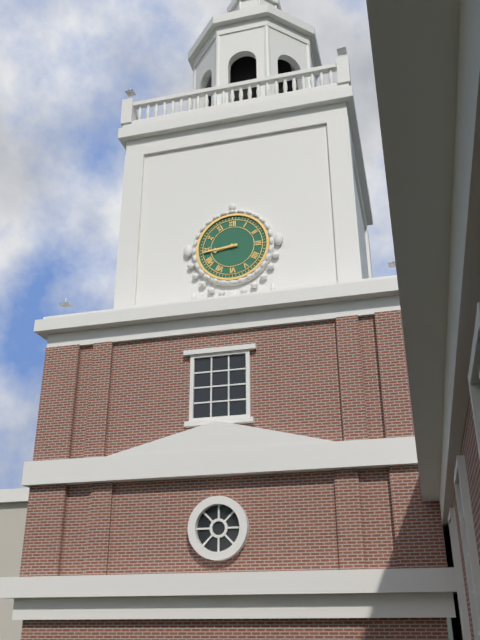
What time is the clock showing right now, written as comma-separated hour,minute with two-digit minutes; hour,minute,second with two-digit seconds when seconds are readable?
8,44
